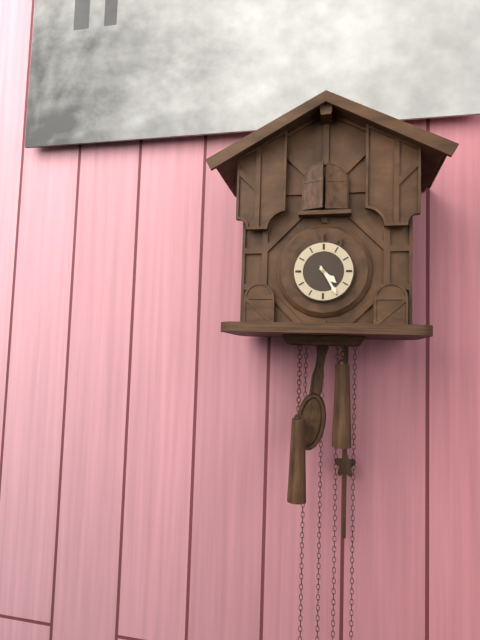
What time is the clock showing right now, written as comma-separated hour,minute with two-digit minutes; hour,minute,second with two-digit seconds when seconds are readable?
4,25
